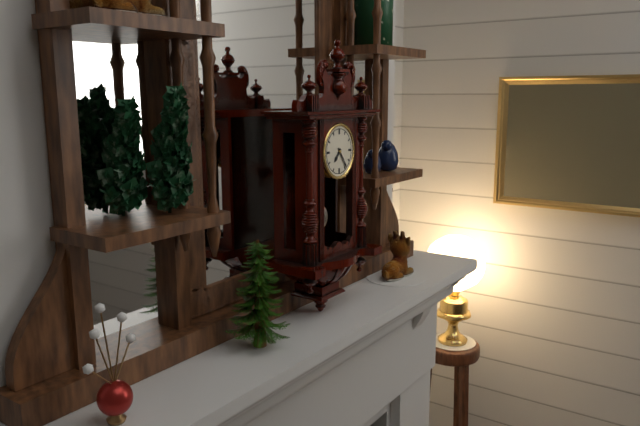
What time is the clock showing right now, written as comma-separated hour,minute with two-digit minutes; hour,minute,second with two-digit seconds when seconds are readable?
7,24
